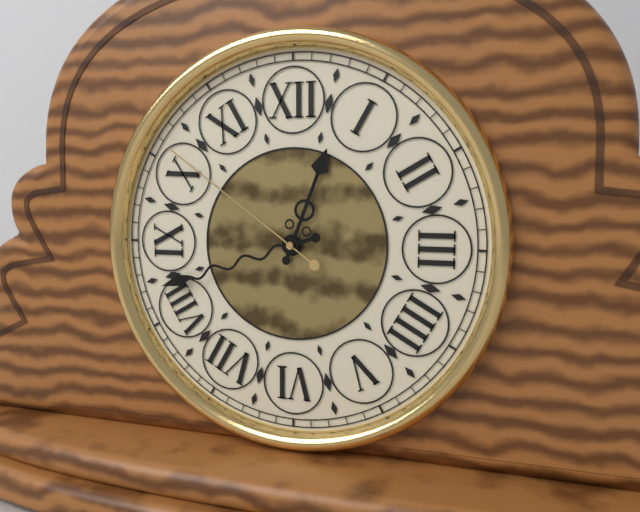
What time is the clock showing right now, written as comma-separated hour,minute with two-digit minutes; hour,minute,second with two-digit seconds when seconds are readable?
12,42,51
